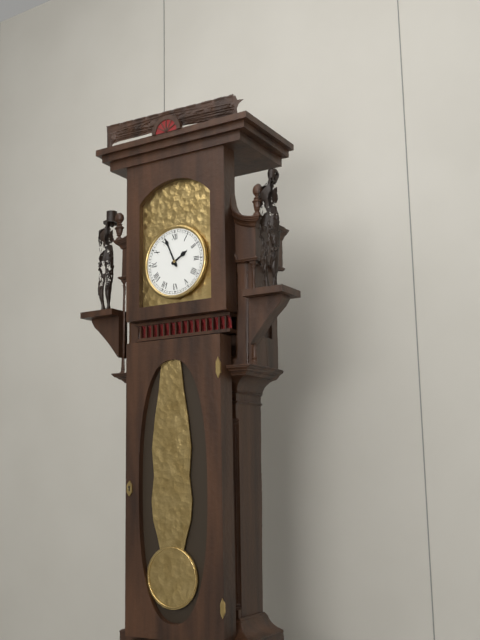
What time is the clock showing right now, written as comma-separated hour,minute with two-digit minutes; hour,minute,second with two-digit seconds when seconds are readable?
1,56
